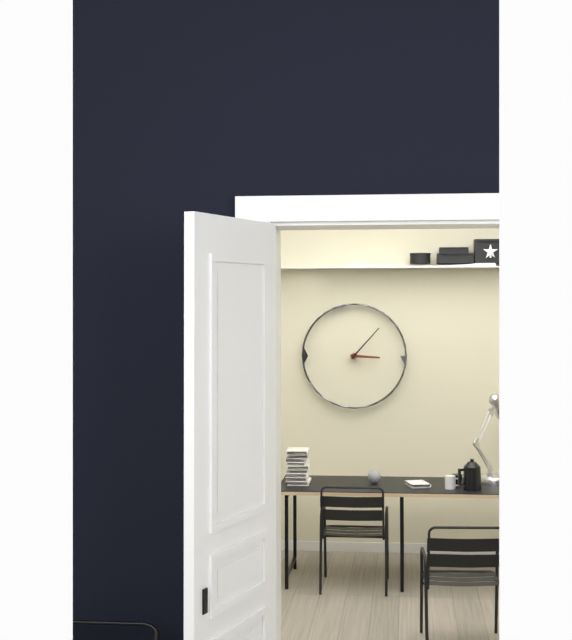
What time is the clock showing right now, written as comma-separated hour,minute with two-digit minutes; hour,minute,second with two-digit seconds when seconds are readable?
3,07
